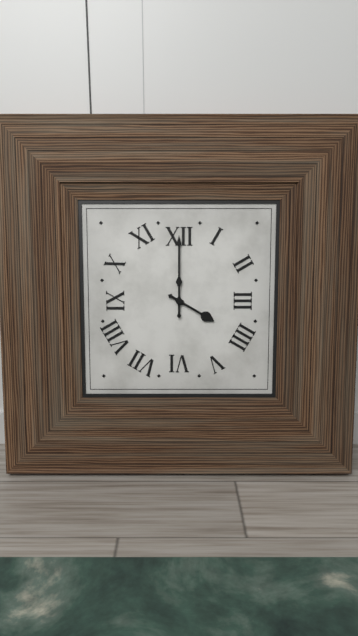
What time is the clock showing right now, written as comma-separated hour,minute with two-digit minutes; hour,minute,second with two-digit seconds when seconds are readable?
4,00
